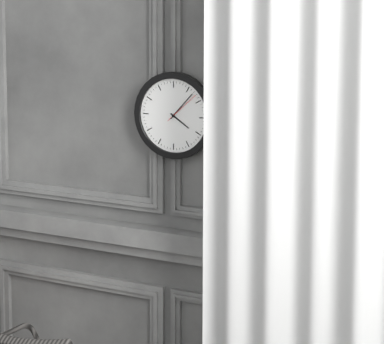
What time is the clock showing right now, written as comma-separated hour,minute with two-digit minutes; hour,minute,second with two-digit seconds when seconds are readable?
4,07
